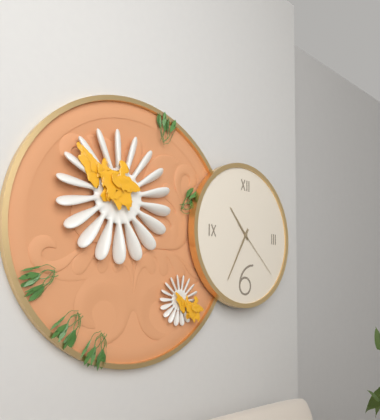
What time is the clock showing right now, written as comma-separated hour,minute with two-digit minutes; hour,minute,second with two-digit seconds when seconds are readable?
10,35,22
